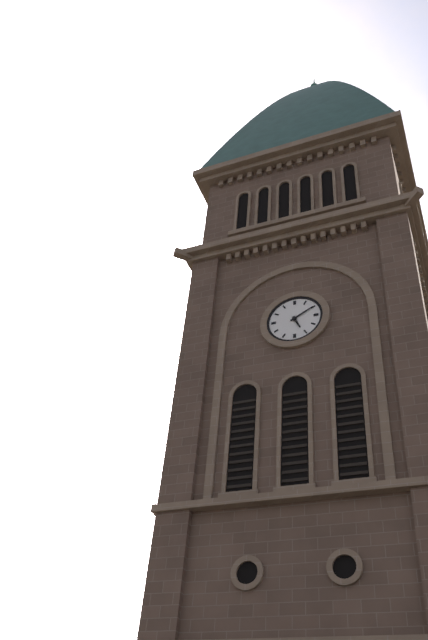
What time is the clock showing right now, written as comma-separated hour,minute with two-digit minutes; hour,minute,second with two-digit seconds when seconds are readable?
5,10
